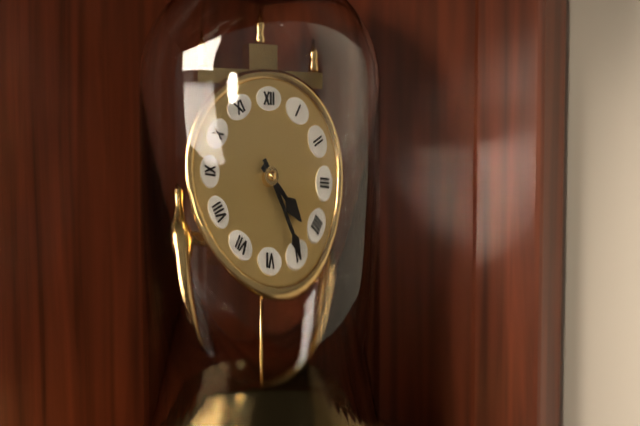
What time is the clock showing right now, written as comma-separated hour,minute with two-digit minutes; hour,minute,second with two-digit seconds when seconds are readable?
4,25
